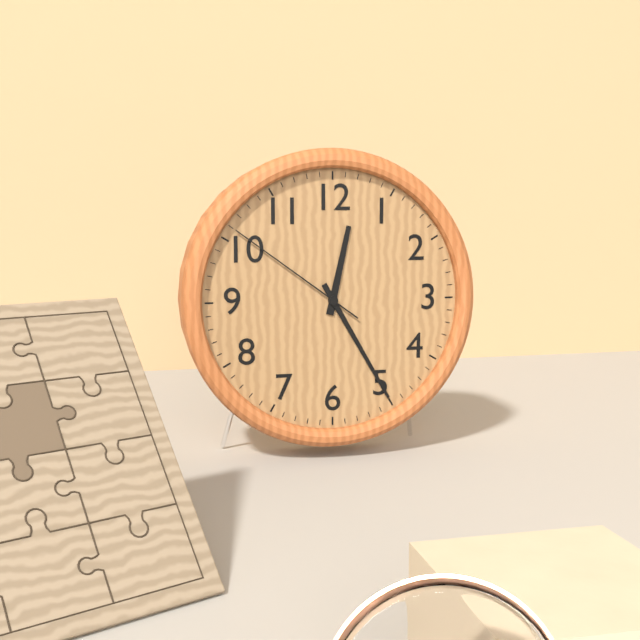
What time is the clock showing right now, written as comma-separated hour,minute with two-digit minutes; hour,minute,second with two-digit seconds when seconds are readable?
12,25,51
